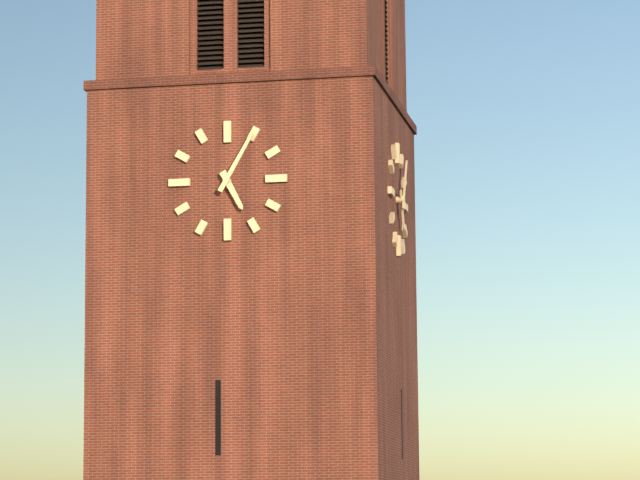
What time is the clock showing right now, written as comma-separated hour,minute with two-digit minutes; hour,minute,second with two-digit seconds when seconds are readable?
5,05
